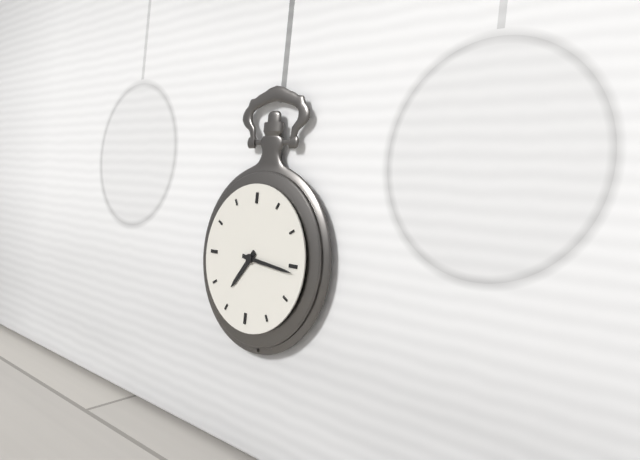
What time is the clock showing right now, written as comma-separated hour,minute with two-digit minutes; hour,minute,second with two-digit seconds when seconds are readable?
7,16
